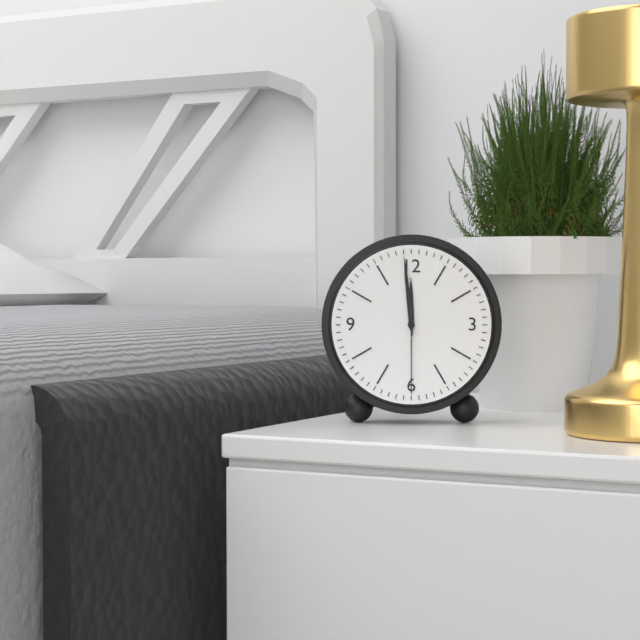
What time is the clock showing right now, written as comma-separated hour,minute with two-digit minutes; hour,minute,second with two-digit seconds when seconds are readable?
11,59,30
